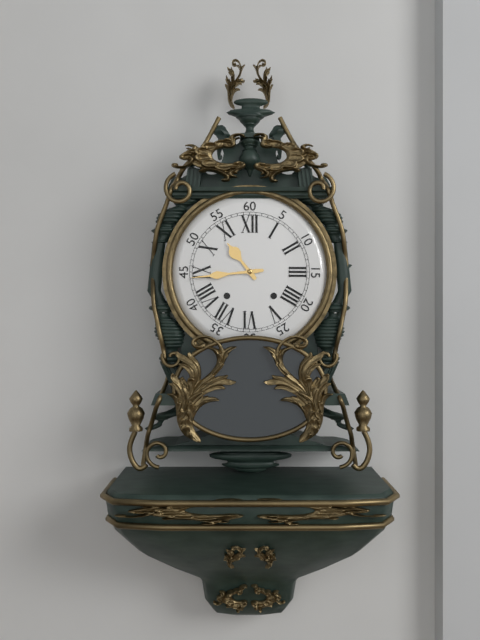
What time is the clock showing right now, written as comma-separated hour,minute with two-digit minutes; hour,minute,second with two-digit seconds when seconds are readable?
10,44
